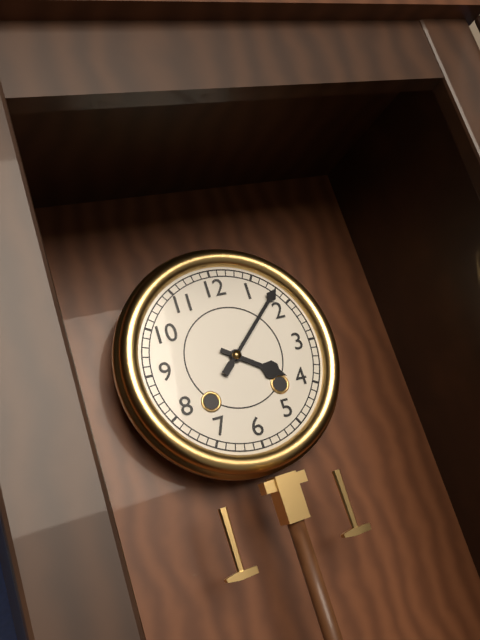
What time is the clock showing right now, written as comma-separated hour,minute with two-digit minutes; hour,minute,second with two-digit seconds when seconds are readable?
4,08
